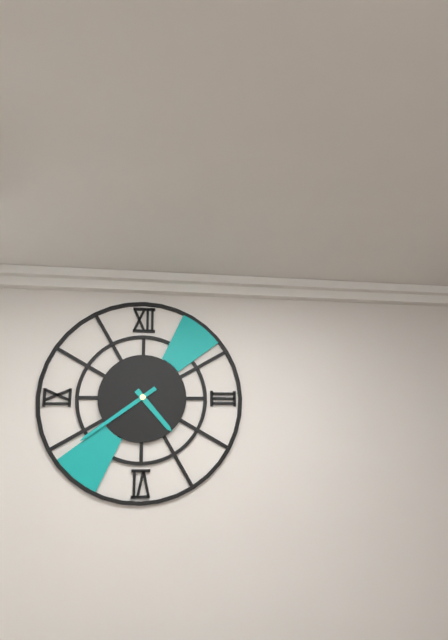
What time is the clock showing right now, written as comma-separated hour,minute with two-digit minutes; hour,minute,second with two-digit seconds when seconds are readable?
4,39
